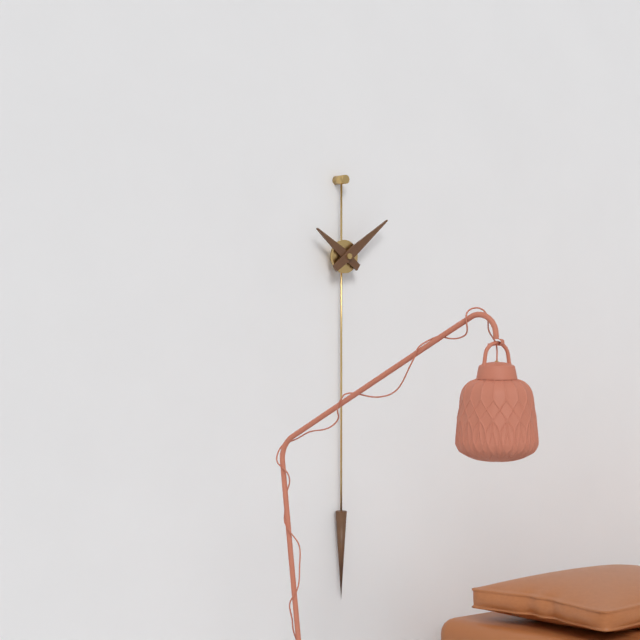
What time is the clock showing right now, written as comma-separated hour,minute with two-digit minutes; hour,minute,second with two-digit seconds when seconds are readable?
10,09
